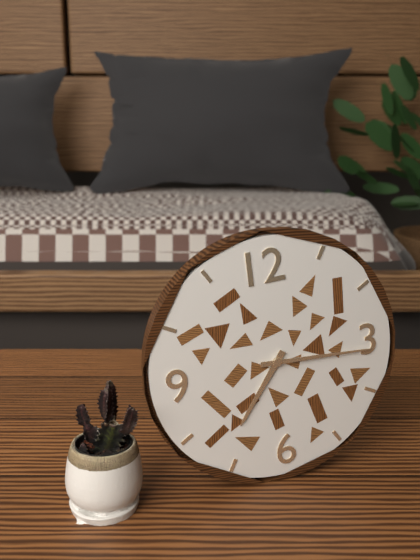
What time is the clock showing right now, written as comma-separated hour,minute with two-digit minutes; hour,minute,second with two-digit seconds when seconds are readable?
7,16
